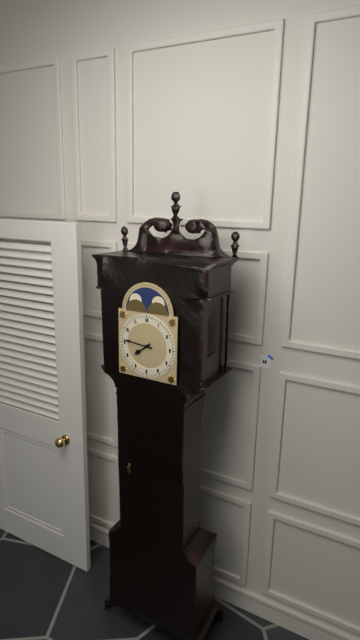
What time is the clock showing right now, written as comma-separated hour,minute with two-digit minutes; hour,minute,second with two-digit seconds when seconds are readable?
7,46
